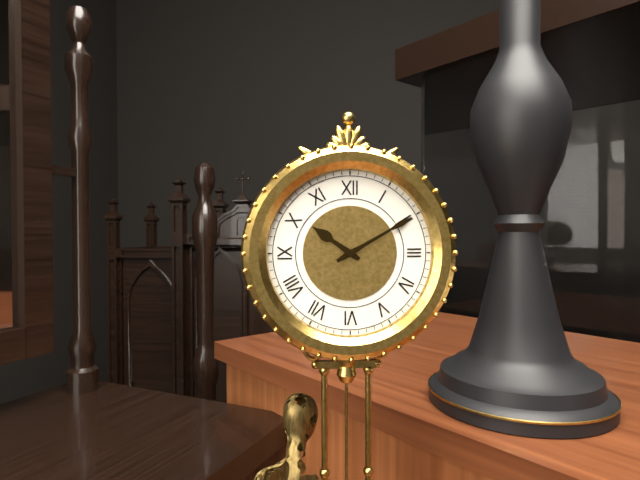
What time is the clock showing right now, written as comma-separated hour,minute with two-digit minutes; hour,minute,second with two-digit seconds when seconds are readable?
10,10
